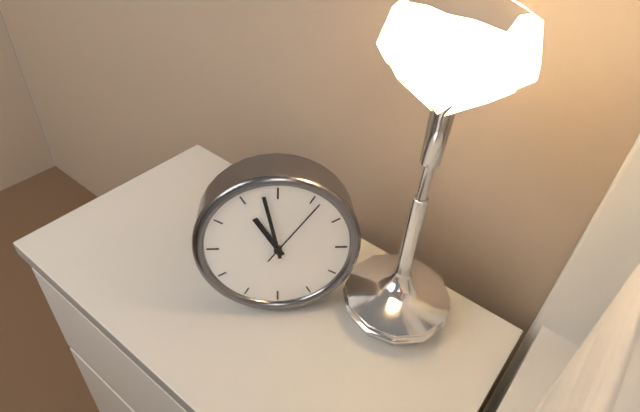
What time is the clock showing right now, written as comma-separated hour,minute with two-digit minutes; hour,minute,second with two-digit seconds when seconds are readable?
10,58,06
